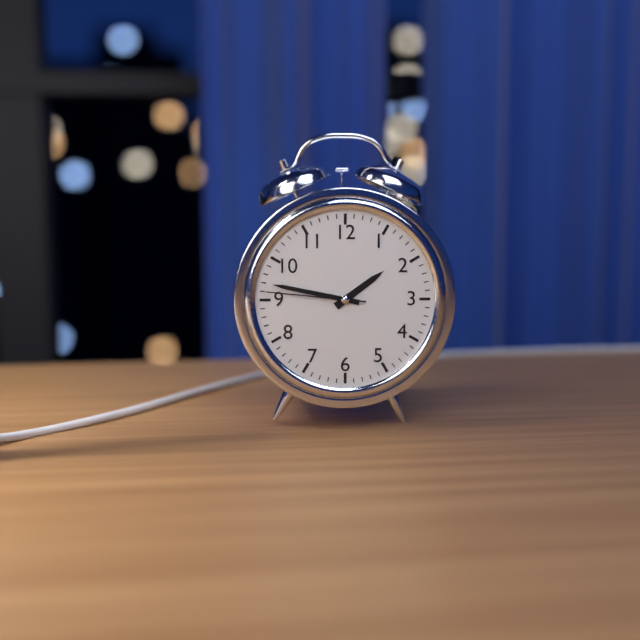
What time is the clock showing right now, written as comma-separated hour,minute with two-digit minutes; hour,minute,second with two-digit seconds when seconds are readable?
1,47,46
